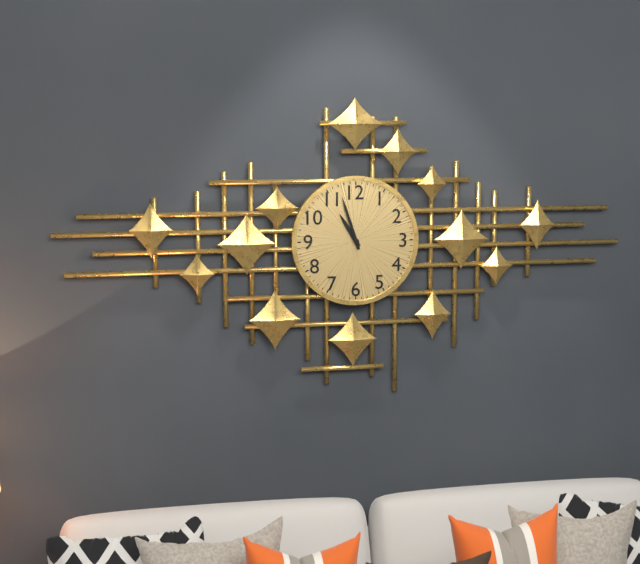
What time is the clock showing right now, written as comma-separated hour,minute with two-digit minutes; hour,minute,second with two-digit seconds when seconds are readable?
10,57
